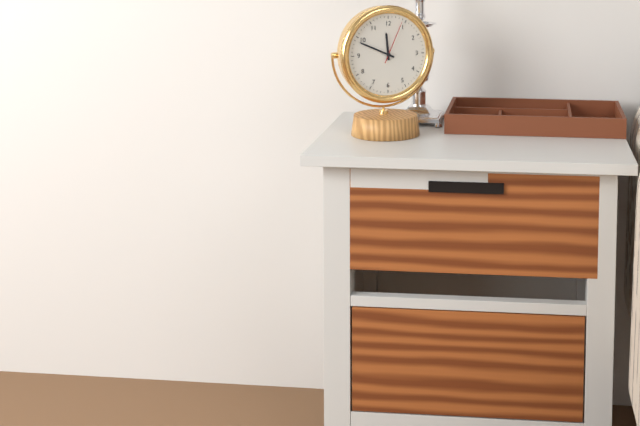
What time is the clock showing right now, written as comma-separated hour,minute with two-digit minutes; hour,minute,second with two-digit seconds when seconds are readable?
11,49
